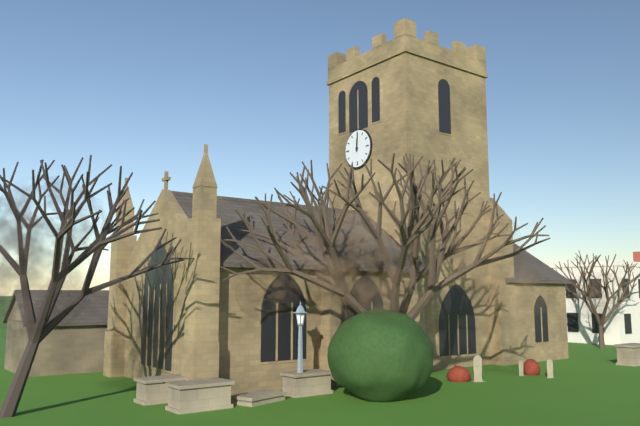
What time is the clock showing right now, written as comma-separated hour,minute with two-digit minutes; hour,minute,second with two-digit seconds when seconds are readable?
12,01
